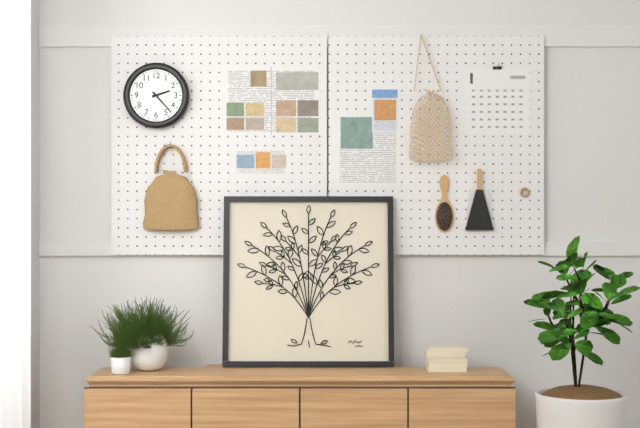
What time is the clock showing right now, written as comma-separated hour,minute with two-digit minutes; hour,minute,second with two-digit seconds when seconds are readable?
2,23
